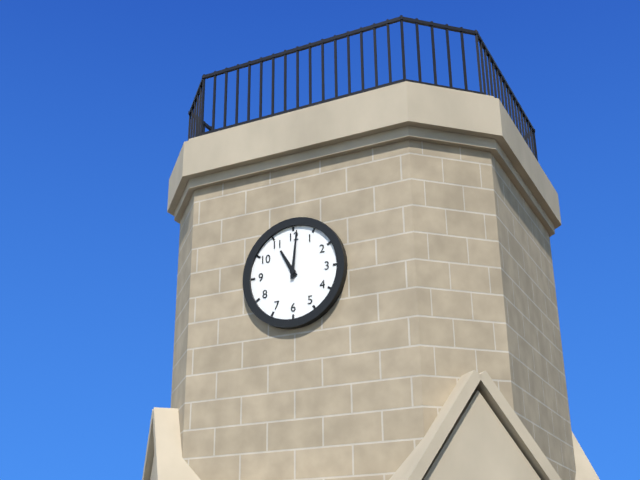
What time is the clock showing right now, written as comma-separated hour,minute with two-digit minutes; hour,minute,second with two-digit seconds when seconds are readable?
11,01
